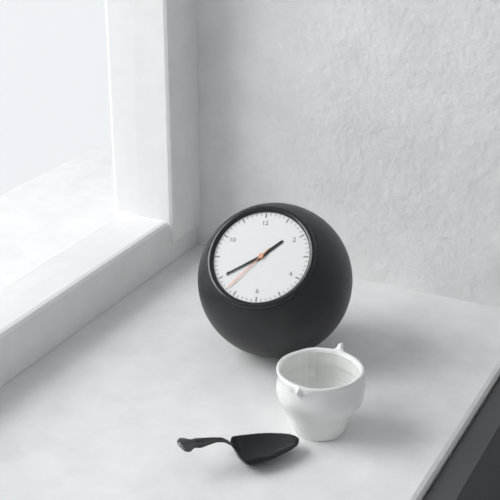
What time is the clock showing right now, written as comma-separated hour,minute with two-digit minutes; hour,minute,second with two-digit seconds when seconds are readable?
1,40,37
